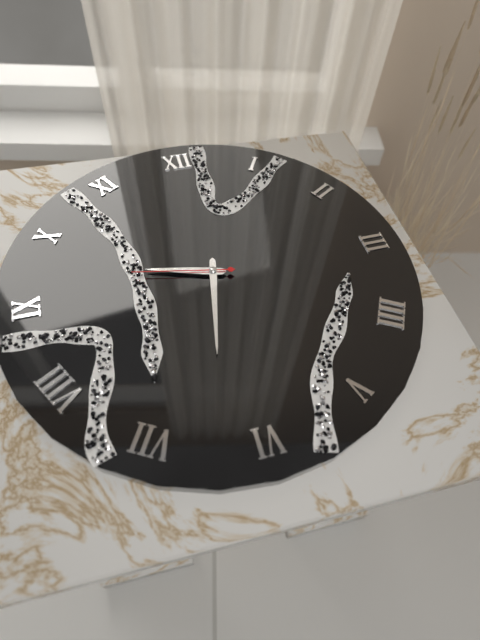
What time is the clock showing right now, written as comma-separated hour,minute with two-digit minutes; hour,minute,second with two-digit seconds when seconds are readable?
9,32,47
